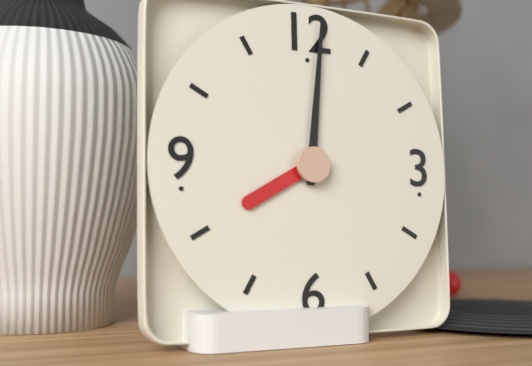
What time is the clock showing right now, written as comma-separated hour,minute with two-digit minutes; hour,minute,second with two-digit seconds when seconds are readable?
8,01
